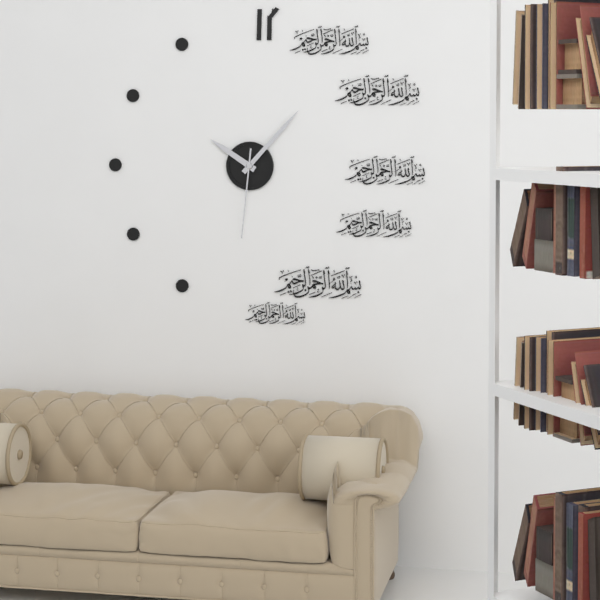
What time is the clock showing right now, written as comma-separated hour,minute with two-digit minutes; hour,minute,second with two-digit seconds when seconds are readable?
10,07,31
